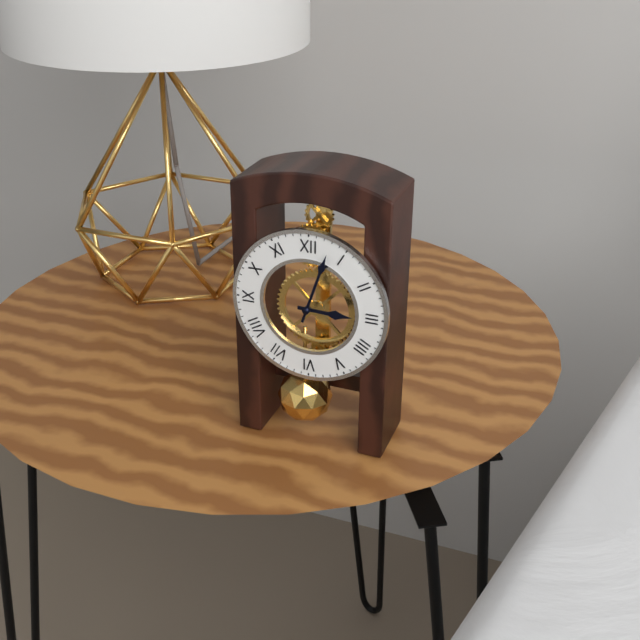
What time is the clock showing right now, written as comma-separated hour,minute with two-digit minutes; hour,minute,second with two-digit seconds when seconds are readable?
3,03
